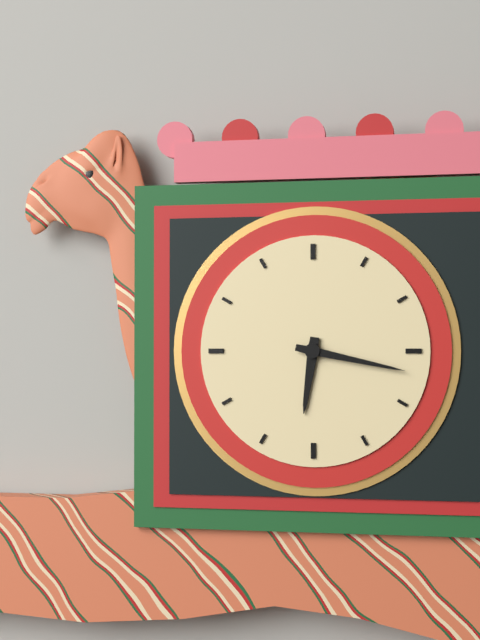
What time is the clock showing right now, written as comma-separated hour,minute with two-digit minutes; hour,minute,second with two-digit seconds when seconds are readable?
6,17
